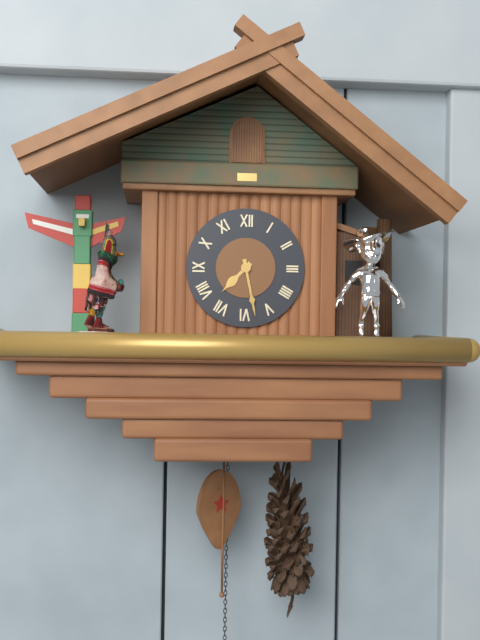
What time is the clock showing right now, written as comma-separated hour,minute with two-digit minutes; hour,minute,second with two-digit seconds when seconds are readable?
7,28
